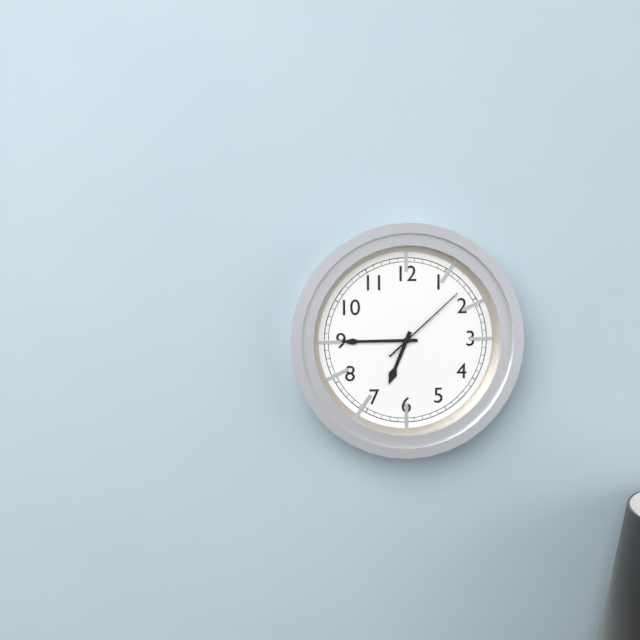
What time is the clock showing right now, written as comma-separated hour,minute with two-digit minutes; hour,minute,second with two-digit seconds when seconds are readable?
6,45,08
